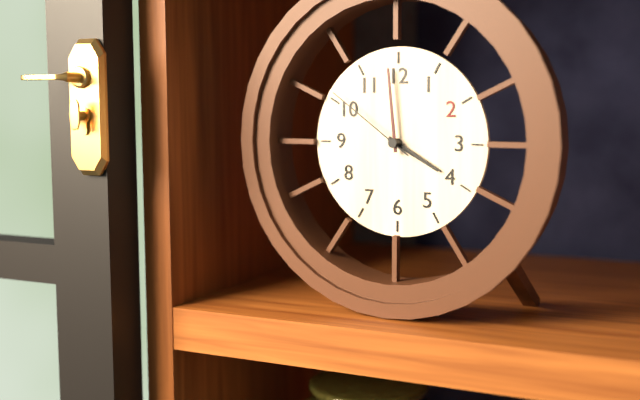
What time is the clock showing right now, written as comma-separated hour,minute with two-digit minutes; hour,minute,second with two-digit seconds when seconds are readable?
3,59,51
